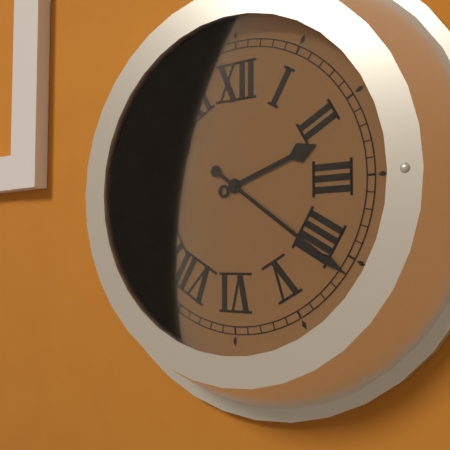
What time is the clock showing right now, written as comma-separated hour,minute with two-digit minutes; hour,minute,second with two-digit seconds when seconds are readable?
2,21
